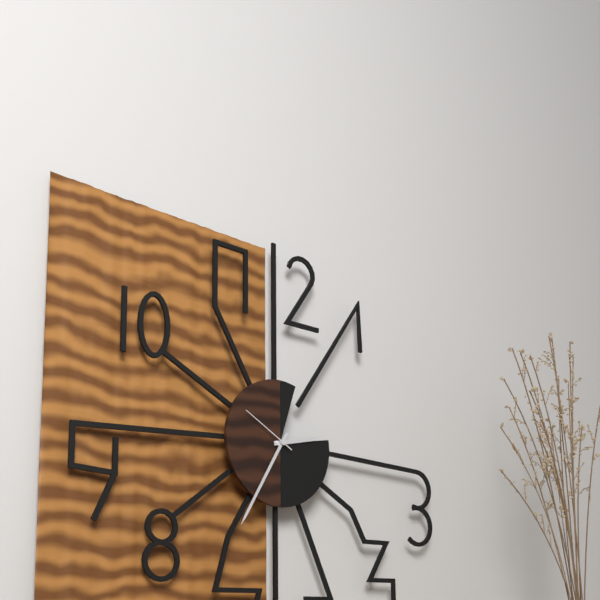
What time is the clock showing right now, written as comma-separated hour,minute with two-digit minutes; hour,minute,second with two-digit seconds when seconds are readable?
2,35,50
